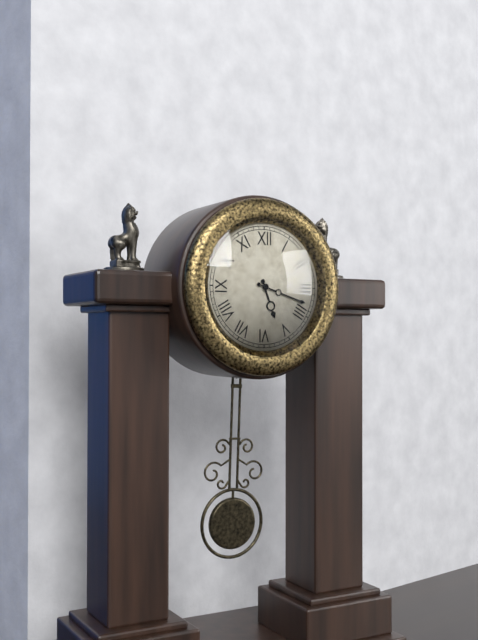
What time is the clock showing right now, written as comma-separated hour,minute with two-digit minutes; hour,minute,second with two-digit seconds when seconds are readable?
5,18
